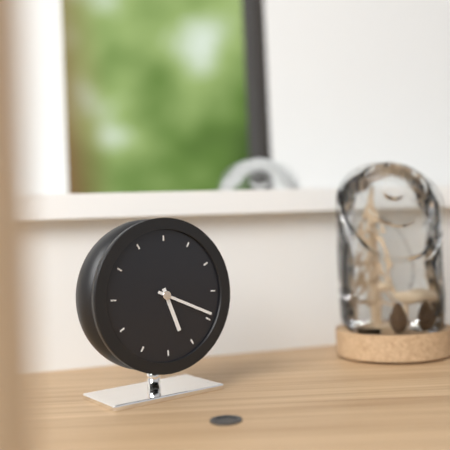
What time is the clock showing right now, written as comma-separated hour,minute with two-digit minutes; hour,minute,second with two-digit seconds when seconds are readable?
5,19
